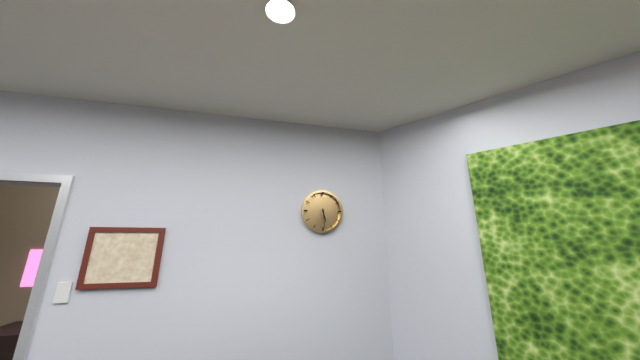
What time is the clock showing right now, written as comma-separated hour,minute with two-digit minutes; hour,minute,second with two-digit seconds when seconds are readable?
5,29
